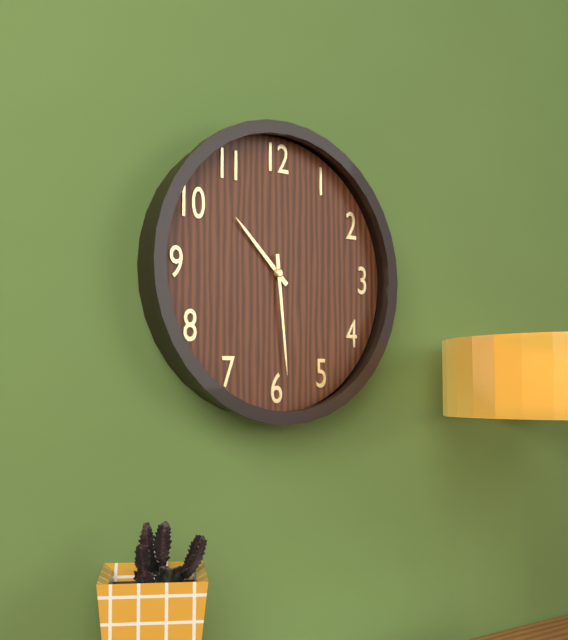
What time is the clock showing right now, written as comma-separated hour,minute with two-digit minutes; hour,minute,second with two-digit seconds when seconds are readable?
10,29
